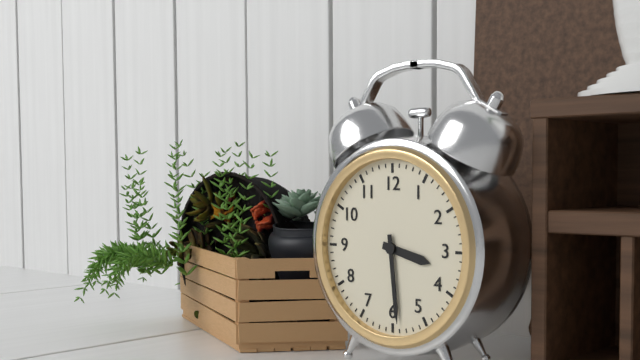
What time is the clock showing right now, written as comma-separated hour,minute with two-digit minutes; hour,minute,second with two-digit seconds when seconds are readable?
3,29
